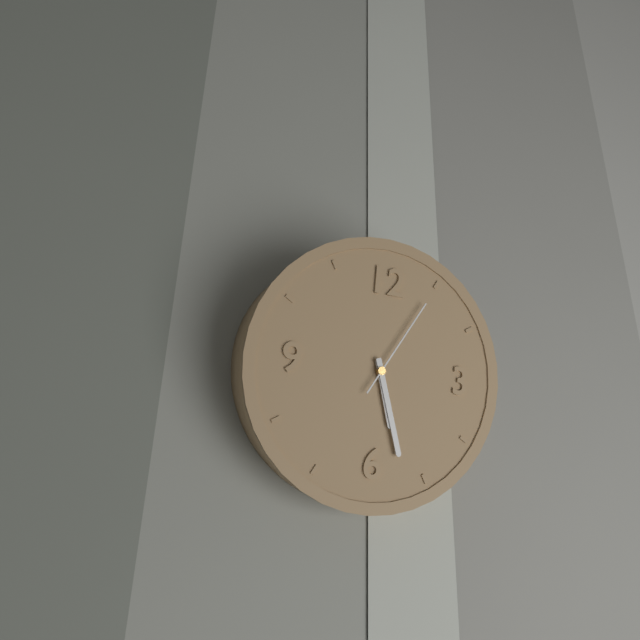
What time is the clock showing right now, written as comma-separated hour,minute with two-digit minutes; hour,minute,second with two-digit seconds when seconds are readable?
5,27,05
